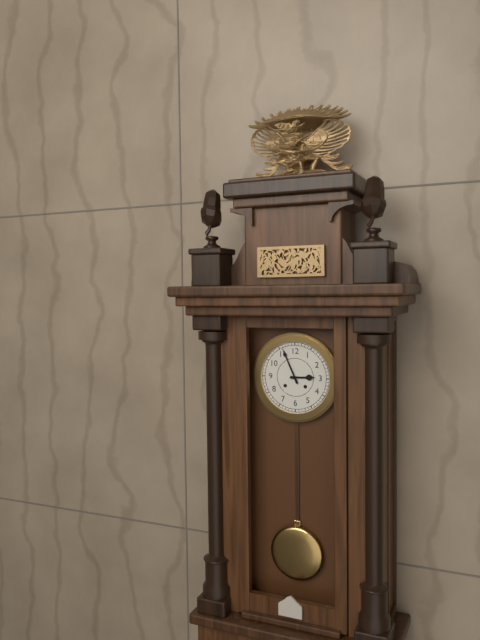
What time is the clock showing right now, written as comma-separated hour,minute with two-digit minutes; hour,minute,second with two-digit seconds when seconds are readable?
2,56
